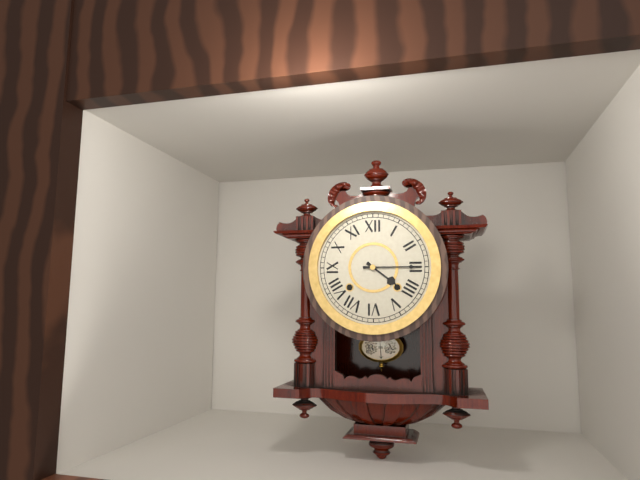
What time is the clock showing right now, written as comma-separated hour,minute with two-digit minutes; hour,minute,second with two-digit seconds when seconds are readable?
4,15
